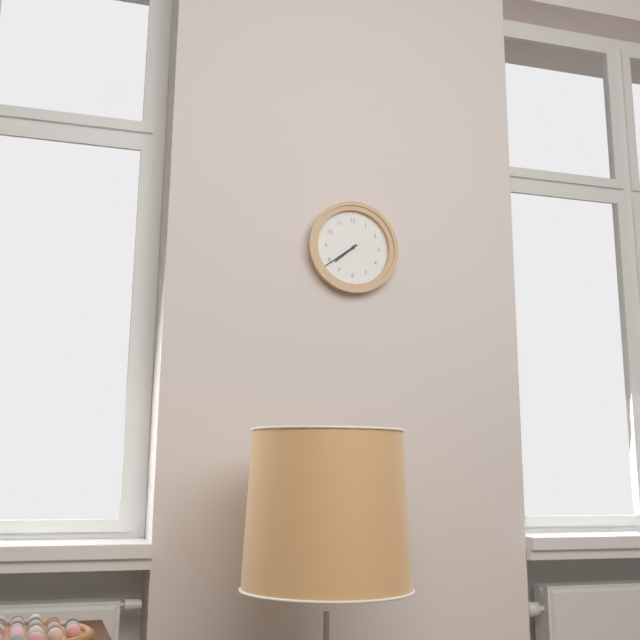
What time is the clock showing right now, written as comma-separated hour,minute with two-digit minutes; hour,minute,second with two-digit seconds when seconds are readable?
7,39
